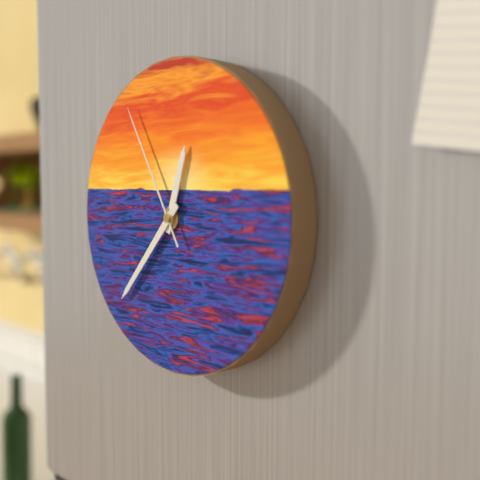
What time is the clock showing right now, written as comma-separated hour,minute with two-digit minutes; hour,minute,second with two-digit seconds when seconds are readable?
12,37,55
